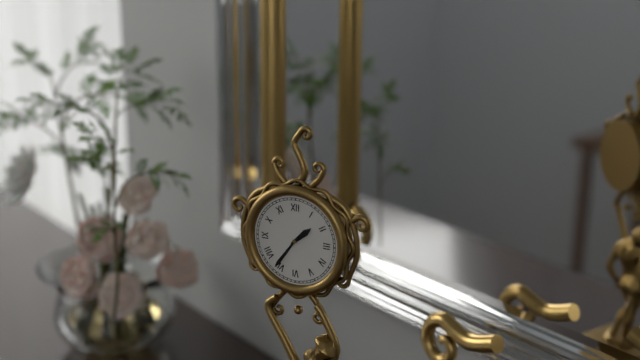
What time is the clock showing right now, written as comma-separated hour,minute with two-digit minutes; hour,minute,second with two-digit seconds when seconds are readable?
1,36
